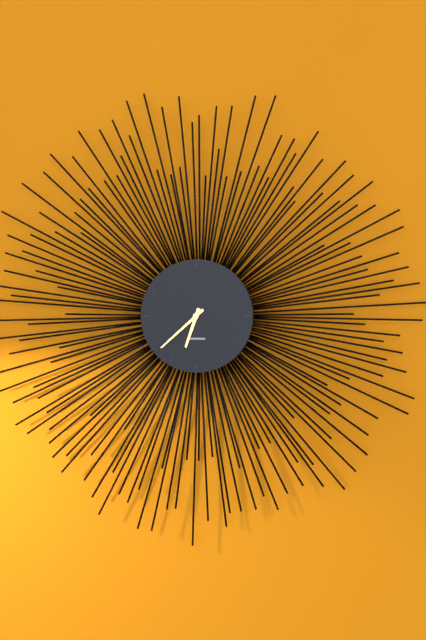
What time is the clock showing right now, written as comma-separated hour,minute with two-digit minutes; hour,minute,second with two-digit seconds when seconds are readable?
6,38
